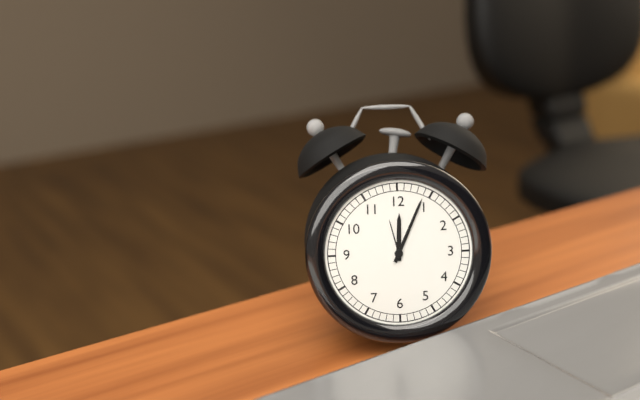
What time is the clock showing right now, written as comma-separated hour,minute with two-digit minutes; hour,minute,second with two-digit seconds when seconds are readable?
12,04
